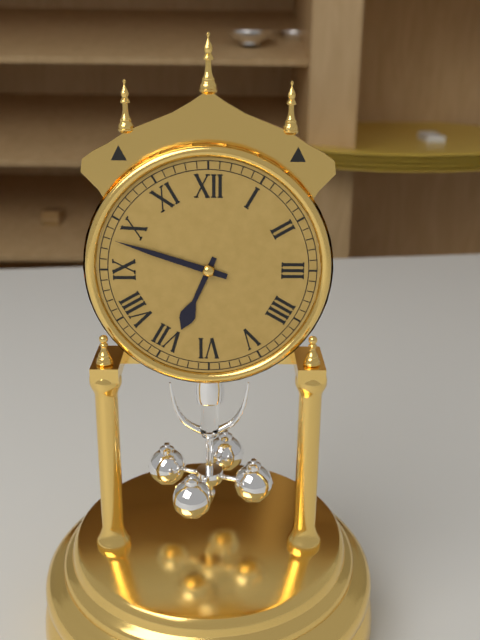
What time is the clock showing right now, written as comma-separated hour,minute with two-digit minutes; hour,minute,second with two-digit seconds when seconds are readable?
6,48
